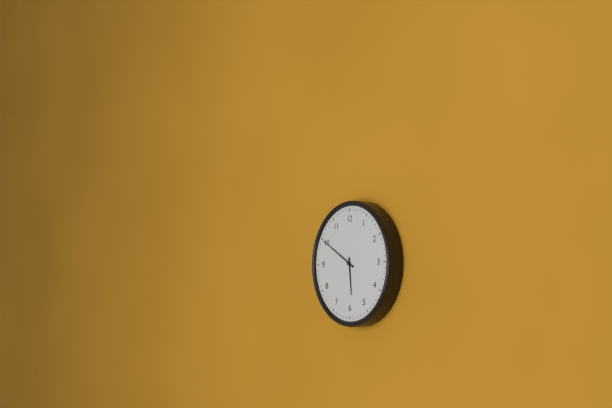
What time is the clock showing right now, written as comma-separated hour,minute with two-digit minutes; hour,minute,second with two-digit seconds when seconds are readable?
5,50
